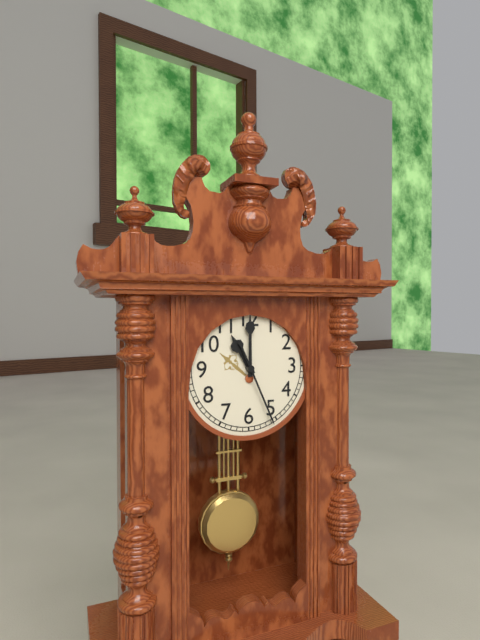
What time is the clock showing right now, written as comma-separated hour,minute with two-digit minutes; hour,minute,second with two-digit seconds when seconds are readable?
11,00,26
